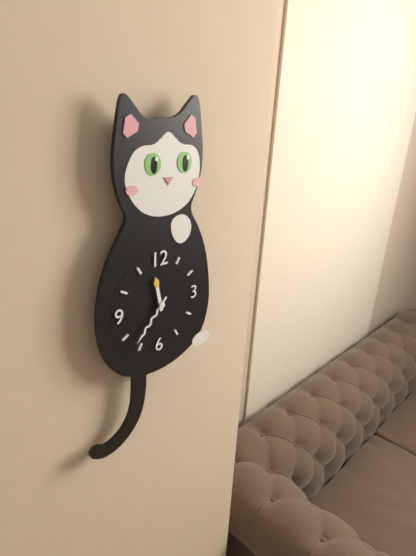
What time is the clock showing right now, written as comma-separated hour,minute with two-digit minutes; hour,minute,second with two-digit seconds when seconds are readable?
11,37
